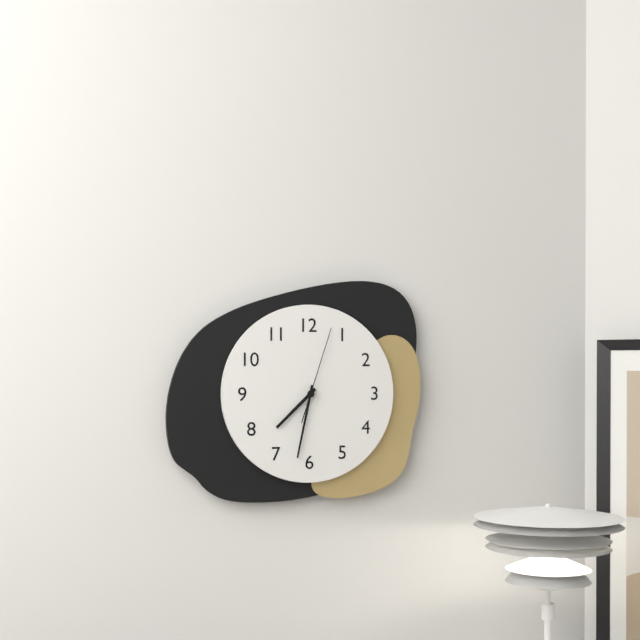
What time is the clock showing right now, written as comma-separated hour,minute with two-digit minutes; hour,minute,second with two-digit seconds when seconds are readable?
7,32,03
